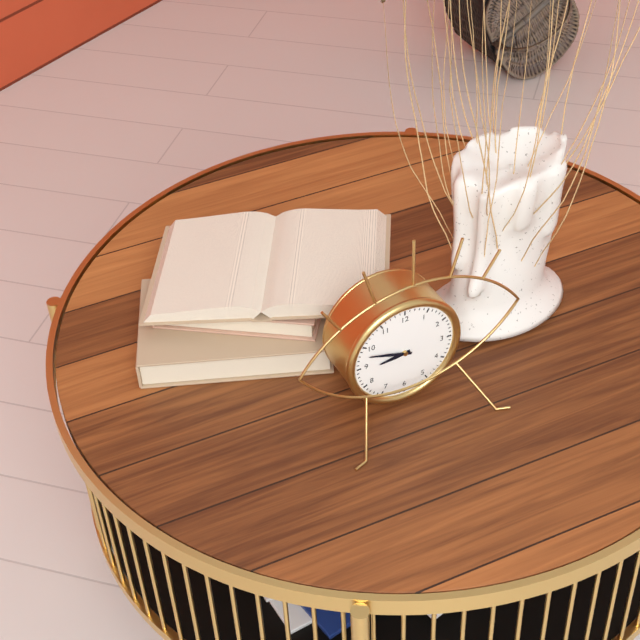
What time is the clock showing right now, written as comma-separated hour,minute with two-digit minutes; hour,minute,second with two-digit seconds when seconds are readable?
8,48
